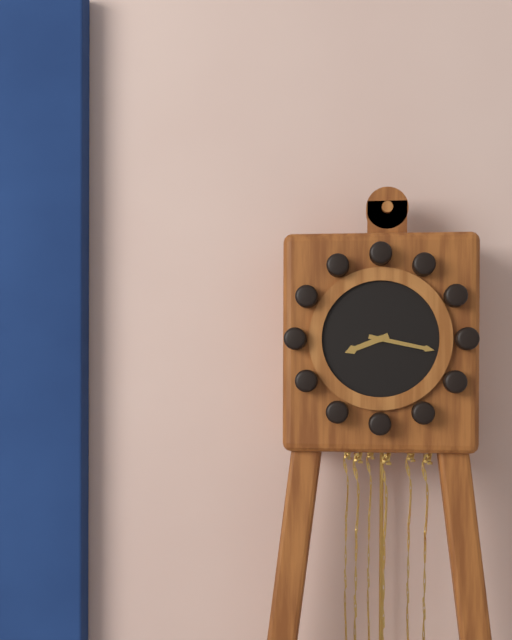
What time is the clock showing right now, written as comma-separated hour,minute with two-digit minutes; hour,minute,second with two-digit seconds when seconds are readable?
8,17
